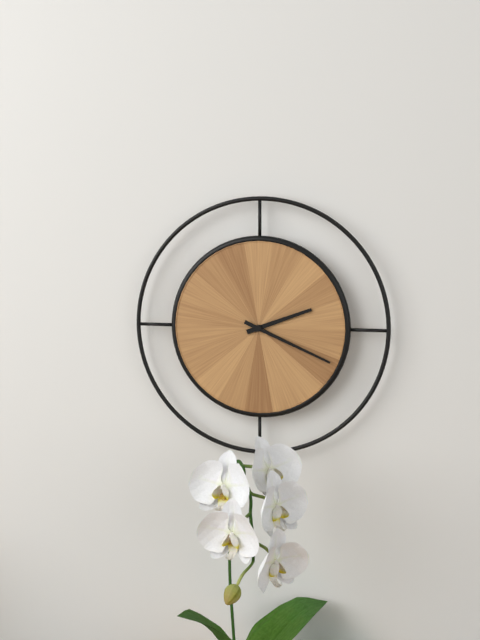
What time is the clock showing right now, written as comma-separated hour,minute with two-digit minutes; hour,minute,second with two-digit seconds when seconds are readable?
2,19
